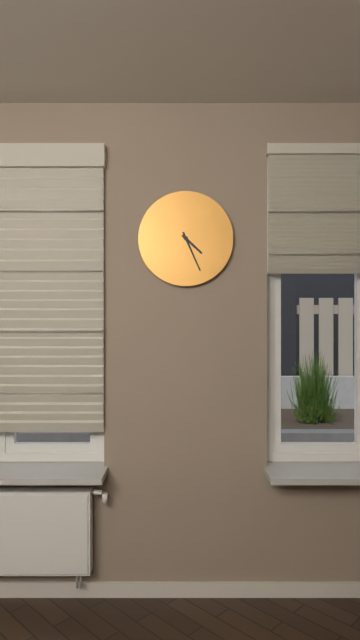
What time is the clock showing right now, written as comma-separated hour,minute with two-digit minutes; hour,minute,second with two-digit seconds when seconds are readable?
4,26
